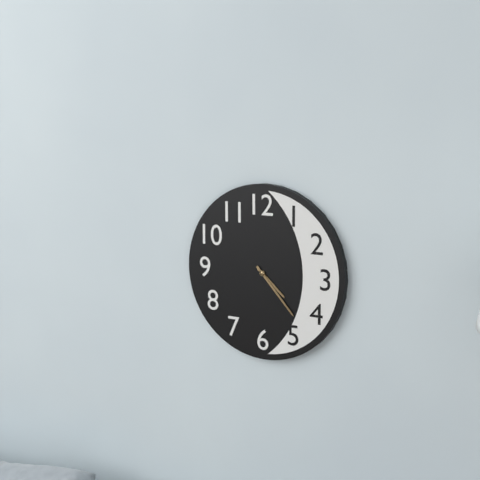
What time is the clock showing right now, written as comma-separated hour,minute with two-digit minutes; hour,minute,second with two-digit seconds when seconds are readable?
4,23
